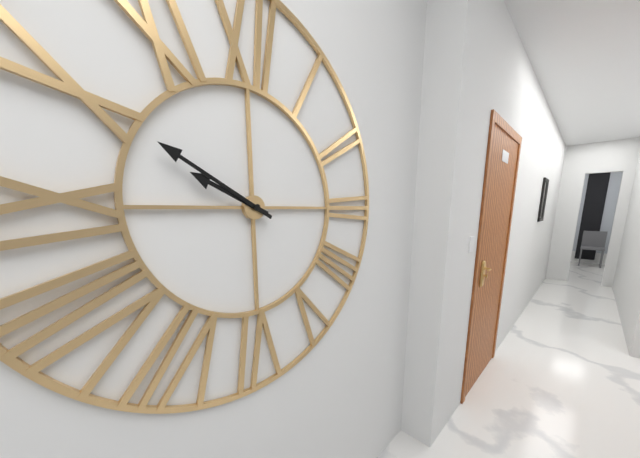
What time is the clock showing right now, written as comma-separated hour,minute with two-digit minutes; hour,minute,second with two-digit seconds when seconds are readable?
9,50
